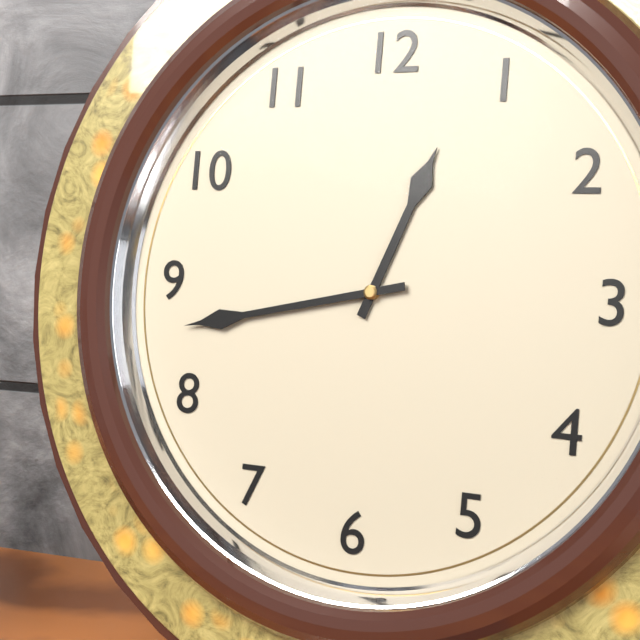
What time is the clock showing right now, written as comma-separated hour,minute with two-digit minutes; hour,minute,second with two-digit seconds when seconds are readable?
12,43
